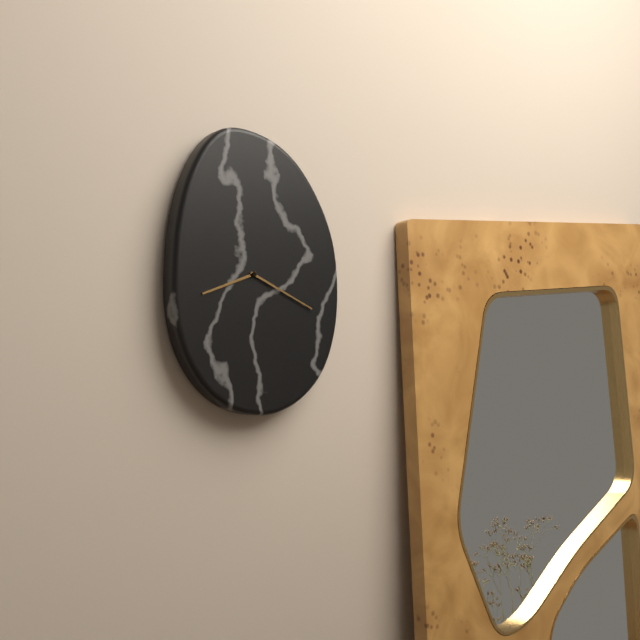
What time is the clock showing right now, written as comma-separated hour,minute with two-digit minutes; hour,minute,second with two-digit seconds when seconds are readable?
8,19
